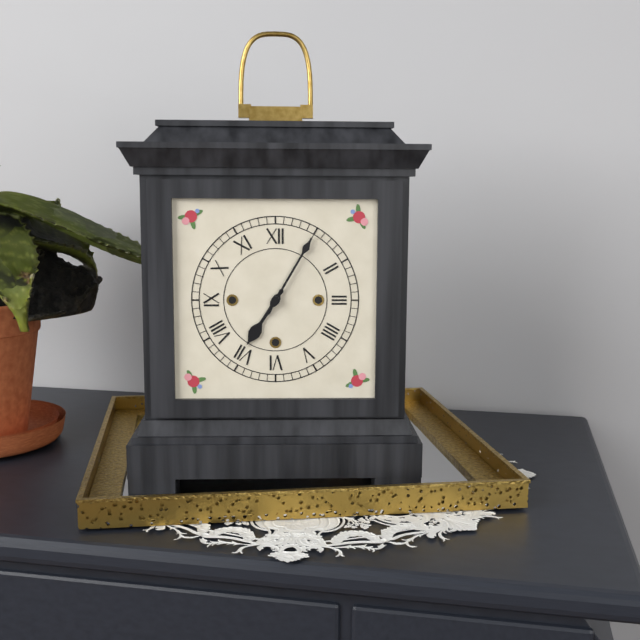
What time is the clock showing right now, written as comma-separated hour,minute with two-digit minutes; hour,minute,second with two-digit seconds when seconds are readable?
7,05
